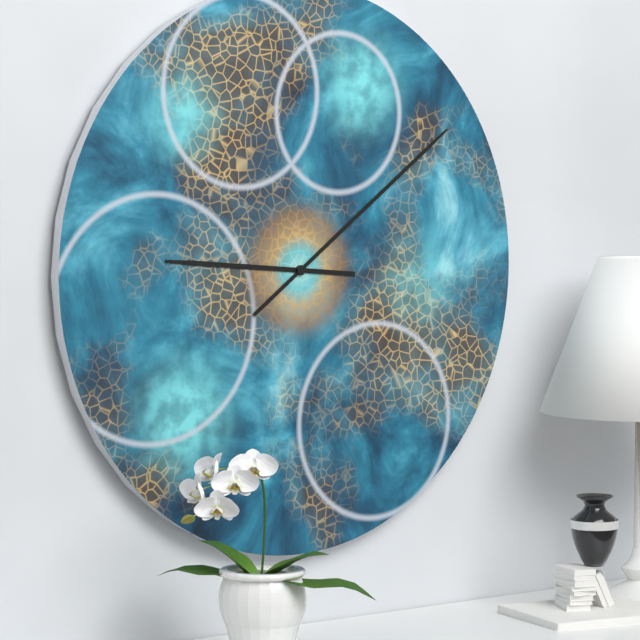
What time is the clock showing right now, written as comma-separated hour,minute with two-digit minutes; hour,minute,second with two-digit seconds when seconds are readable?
9,09
